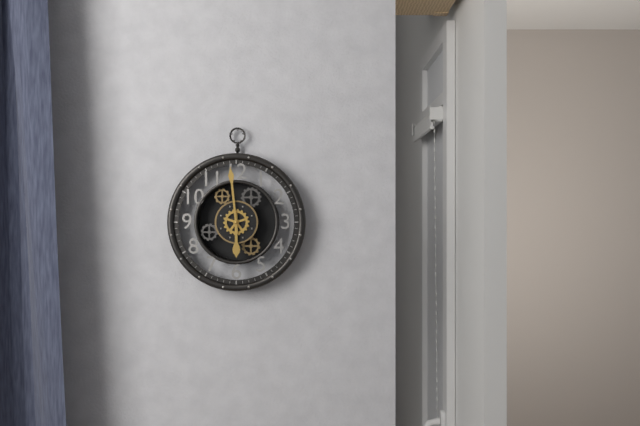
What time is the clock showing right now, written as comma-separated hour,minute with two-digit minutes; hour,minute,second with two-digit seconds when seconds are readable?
5,59
